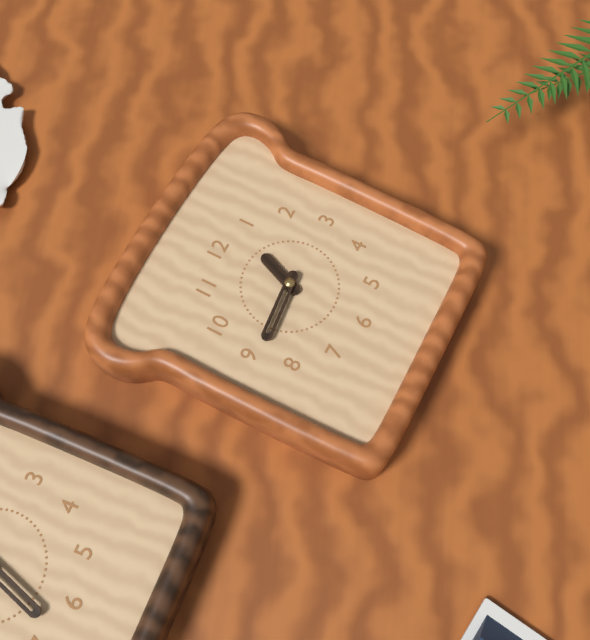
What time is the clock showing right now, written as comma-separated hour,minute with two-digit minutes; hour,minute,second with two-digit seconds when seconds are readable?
12,44
